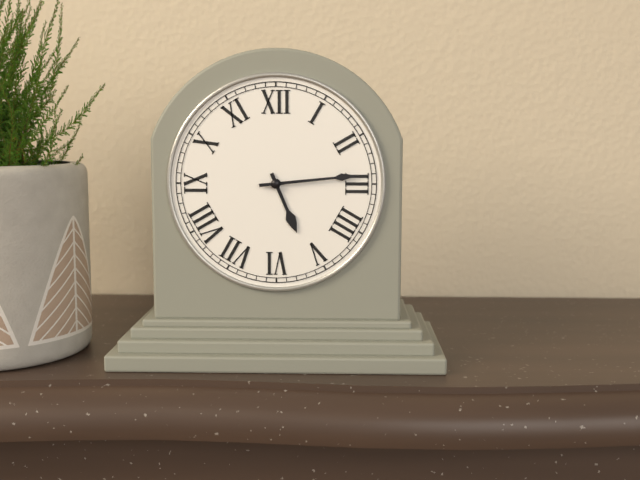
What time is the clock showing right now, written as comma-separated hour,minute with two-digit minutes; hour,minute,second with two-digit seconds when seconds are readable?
5,14
